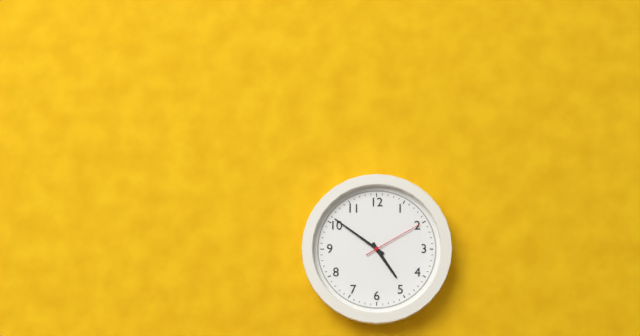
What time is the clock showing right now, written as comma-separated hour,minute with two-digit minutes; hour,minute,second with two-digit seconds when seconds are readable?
4,51,10
